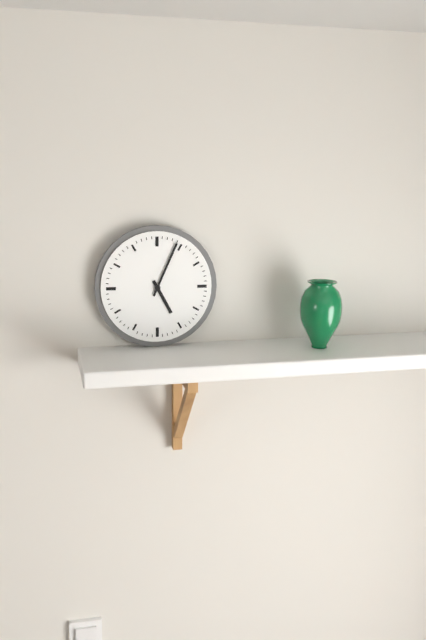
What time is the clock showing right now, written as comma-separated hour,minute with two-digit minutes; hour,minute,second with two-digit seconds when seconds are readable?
5,04
